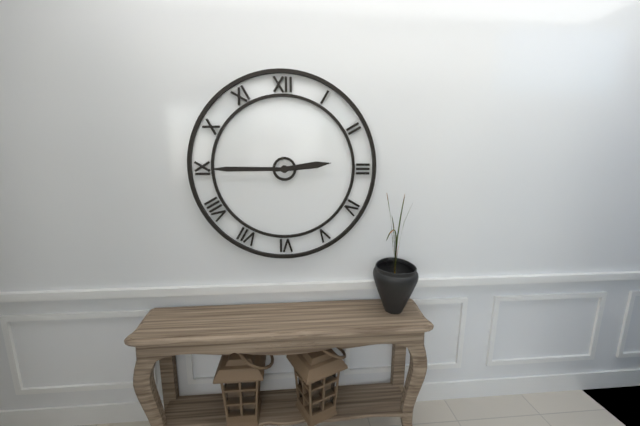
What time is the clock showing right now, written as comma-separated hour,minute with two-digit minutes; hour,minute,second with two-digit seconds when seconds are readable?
2,45
